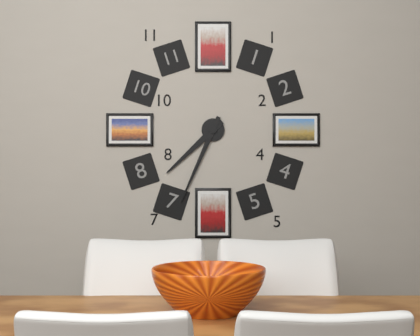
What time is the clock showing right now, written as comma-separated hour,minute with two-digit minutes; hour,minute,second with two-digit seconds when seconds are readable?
7,34
